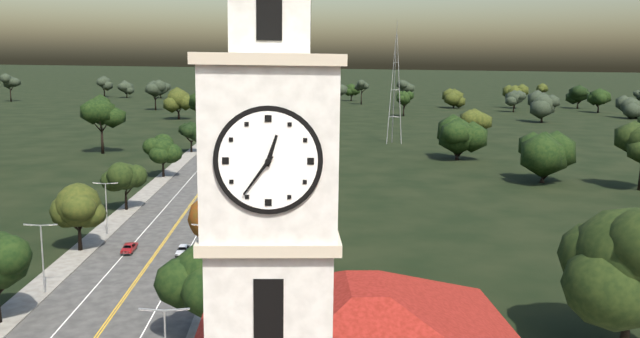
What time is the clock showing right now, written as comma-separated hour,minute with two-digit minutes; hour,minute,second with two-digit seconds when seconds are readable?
12,36
